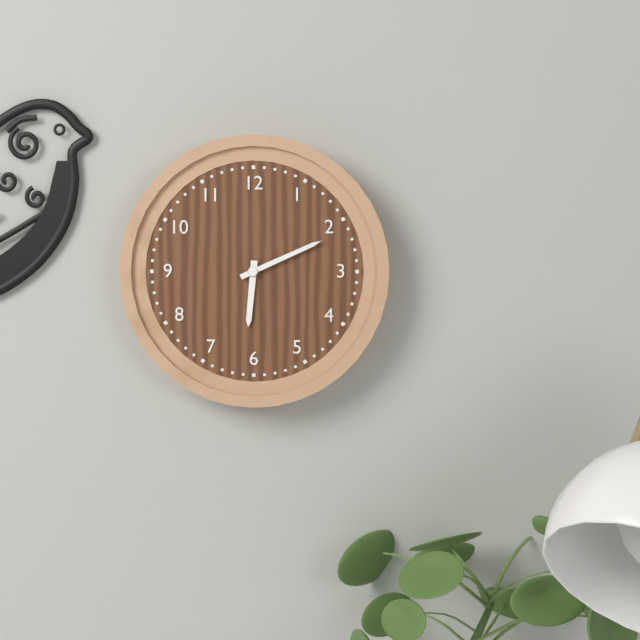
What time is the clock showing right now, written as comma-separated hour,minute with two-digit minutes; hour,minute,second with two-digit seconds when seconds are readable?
6,11
